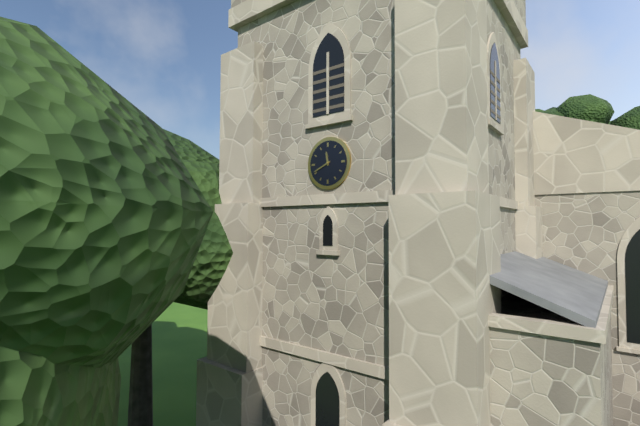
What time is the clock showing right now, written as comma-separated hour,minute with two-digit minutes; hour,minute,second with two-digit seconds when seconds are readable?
11,41
